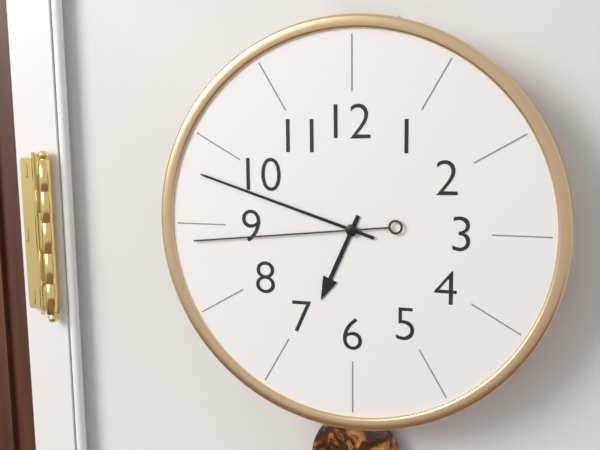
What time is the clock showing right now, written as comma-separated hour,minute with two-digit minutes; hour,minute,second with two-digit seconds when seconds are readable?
6,48,44
